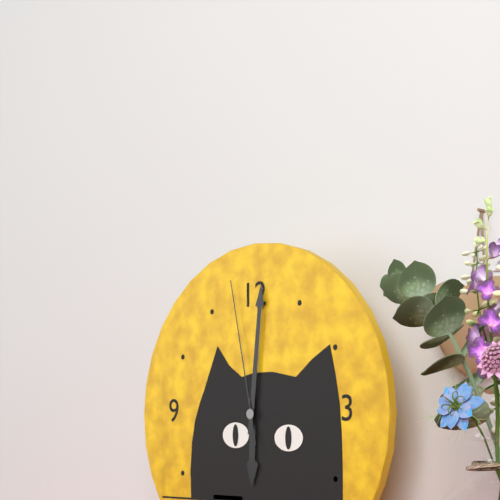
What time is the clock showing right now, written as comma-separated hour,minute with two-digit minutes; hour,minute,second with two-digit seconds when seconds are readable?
6,01,58
